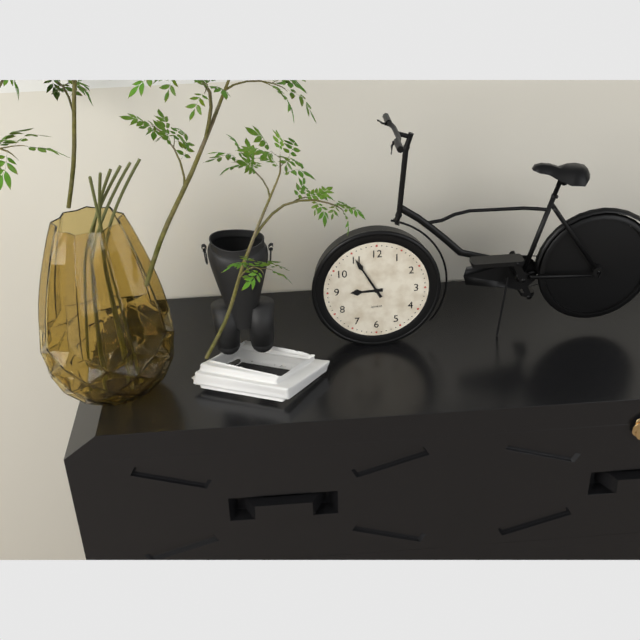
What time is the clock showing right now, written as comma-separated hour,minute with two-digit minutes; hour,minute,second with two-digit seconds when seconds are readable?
8,55
